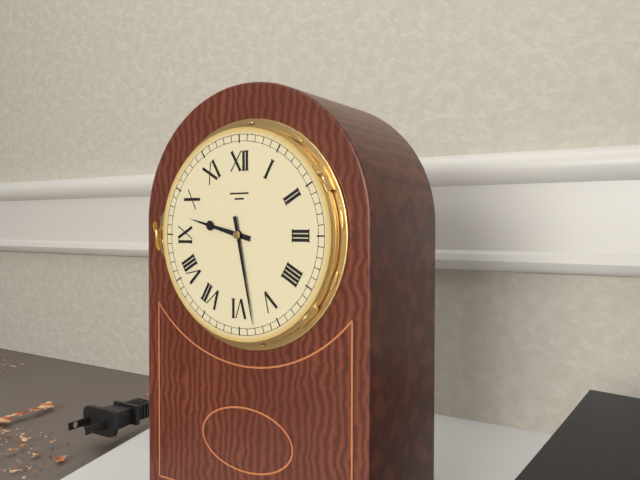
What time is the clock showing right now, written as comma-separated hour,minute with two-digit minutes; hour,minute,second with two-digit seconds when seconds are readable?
9,28
